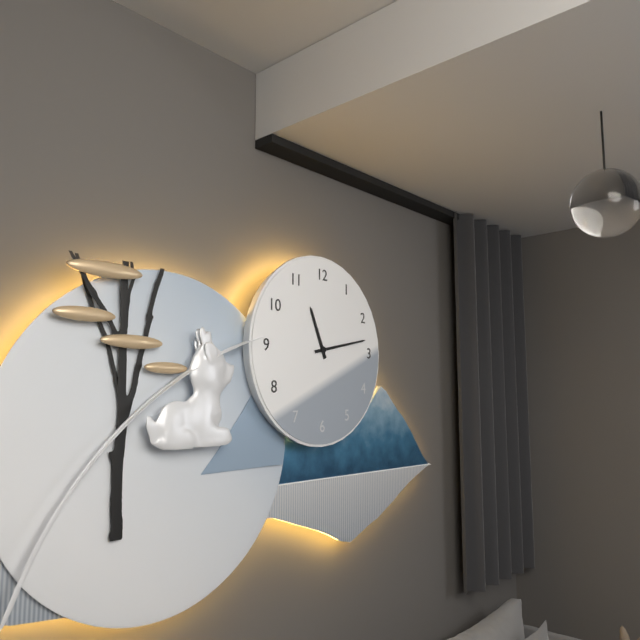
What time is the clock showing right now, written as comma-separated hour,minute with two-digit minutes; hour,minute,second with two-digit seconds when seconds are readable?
11,13
